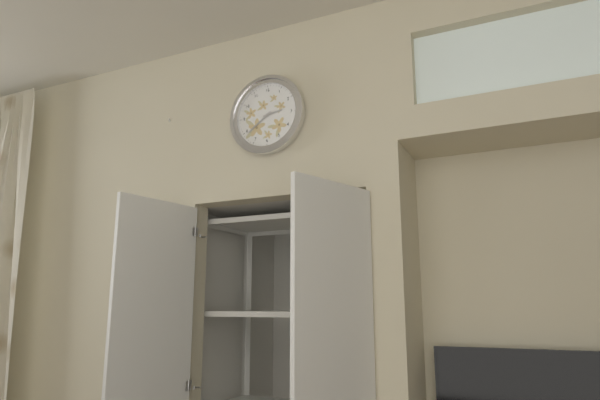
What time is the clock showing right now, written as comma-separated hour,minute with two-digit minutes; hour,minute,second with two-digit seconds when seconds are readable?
2,39
